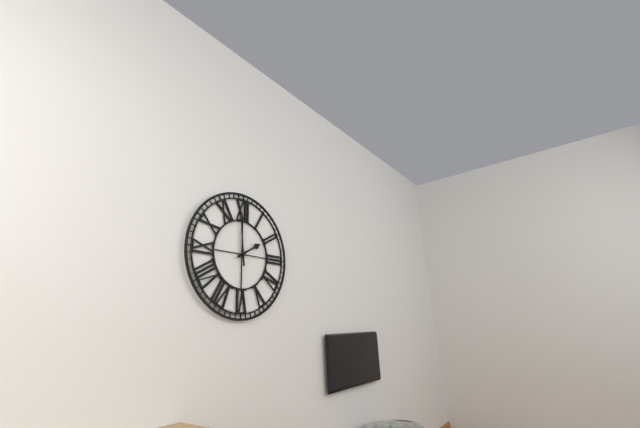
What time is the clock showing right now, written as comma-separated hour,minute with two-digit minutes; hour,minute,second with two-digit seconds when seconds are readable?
1,59
